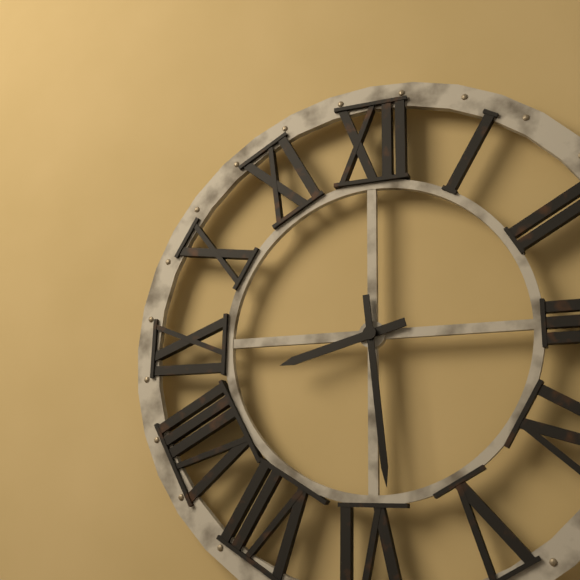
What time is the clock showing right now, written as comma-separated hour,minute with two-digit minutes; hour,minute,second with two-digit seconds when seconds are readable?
8,29
